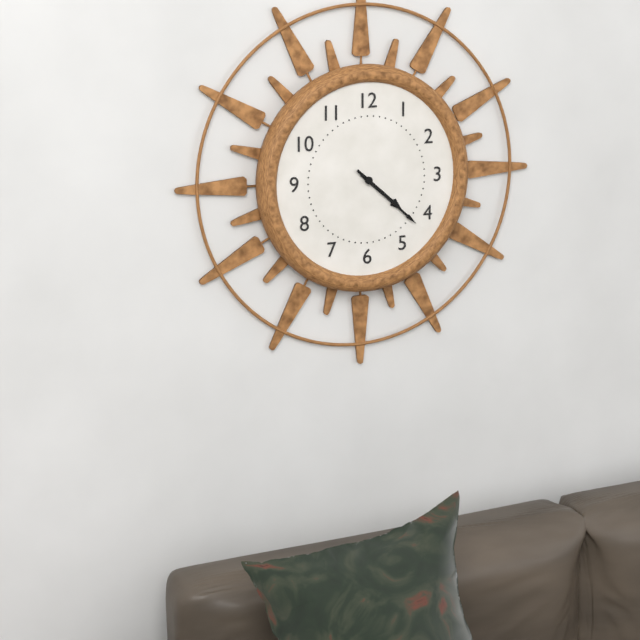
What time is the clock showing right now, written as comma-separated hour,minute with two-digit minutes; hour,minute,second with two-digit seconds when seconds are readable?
4,22
